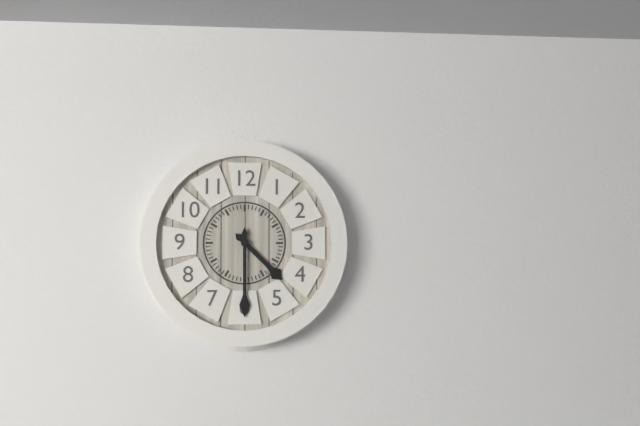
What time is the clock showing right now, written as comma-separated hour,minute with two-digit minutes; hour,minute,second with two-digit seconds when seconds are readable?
4,30
